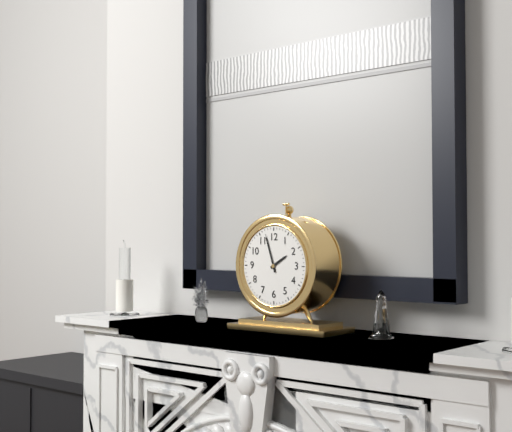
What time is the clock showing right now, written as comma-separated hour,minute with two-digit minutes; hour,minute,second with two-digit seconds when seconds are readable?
1,57
